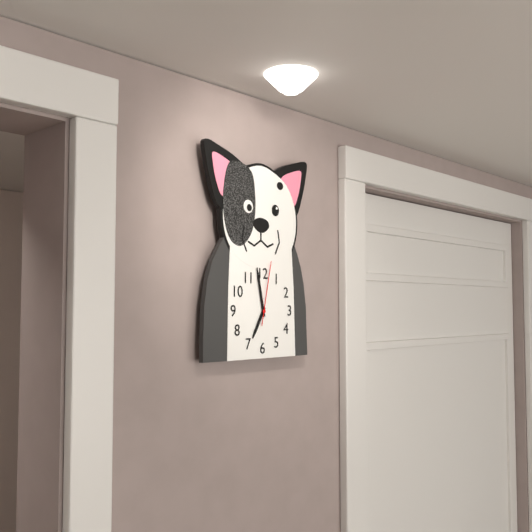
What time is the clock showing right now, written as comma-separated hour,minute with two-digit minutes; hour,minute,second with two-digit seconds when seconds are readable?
6,58,02
